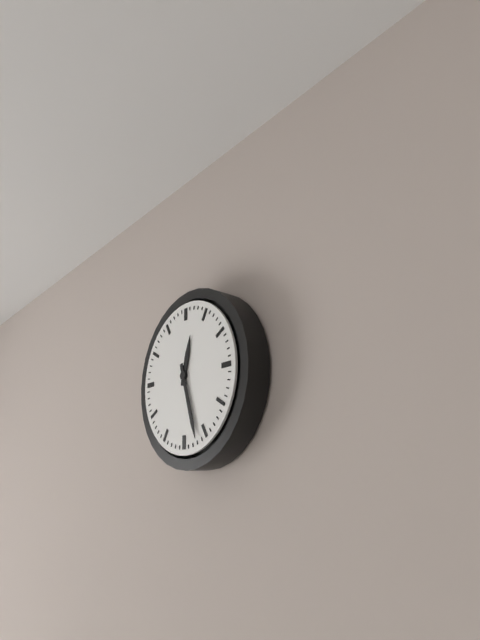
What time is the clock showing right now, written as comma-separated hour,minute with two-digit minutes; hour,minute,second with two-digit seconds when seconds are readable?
12,27
